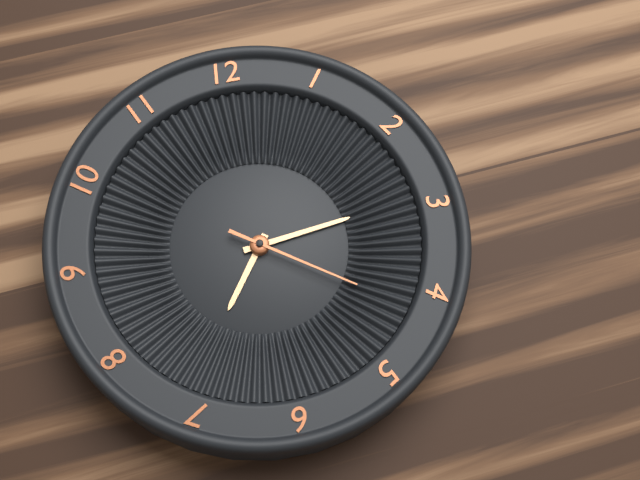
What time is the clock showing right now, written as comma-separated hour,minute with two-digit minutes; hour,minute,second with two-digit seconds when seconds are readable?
7,14,21
